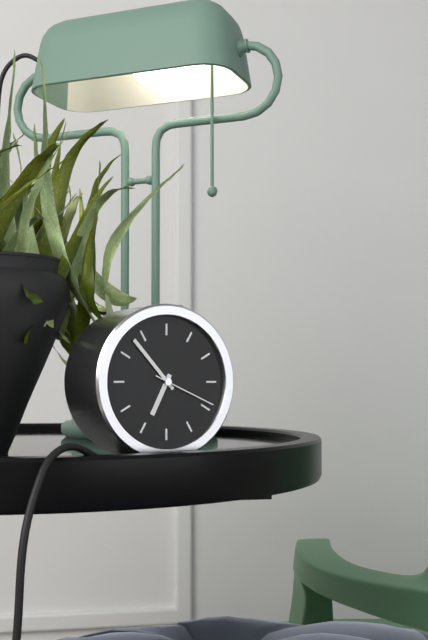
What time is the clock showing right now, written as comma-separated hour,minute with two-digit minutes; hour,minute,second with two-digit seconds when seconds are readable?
6,53,19
